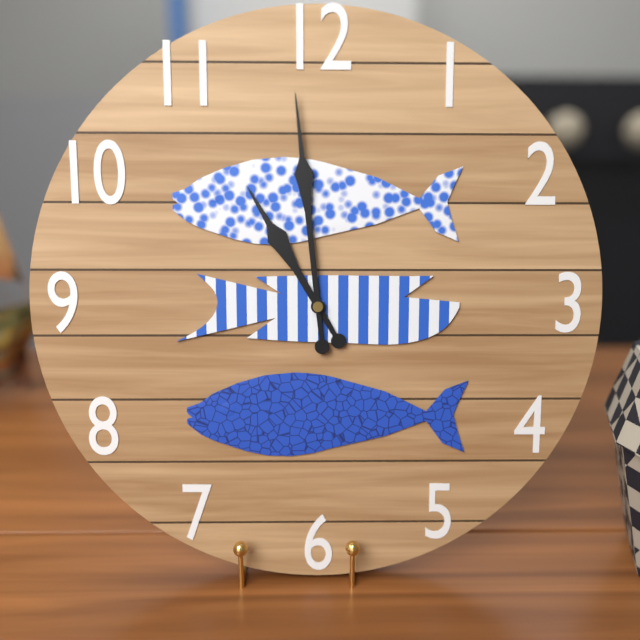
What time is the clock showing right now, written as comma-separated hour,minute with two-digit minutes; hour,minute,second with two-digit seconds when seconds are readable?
10,59
